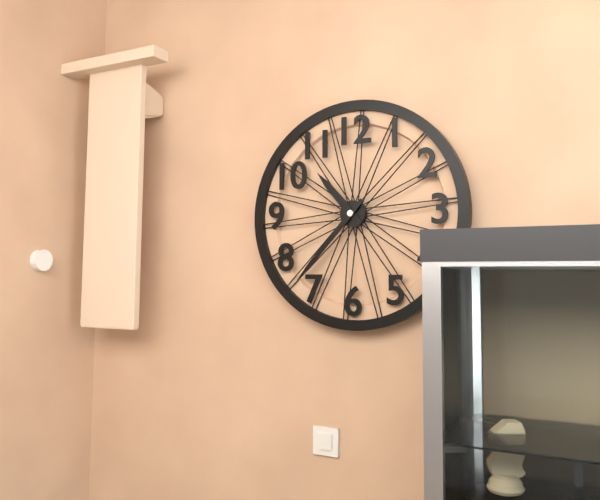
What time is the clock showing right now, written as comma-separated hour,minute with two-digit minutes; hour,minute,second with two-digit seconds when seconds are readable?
10,37
